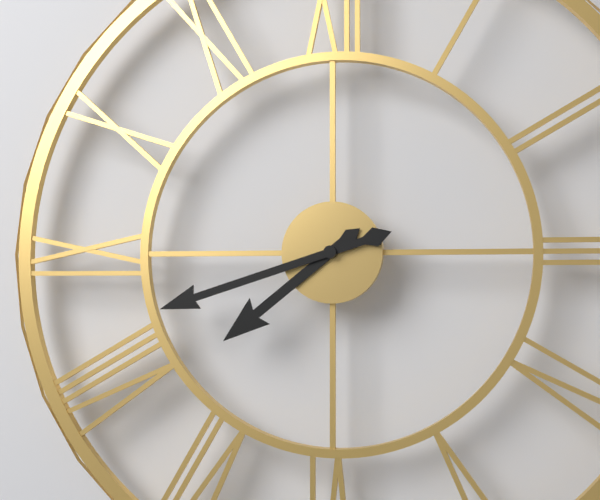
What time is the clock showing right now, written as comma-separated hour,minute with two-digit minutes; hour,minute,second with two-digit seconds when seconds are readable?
7,42
